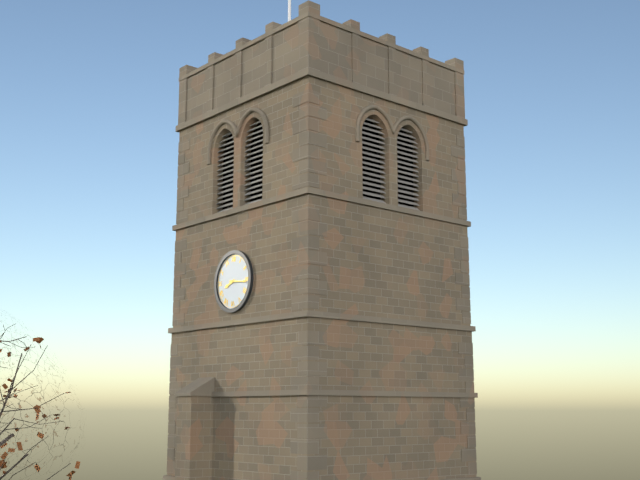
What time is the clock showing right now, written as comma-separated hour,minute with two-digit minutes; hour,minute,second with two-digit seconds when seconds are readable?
8,16
